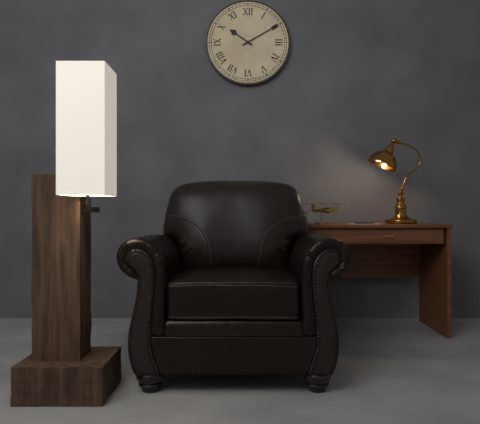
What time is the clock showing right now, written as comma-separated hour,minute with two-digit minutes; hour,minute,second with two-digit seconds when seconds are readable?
10,10
